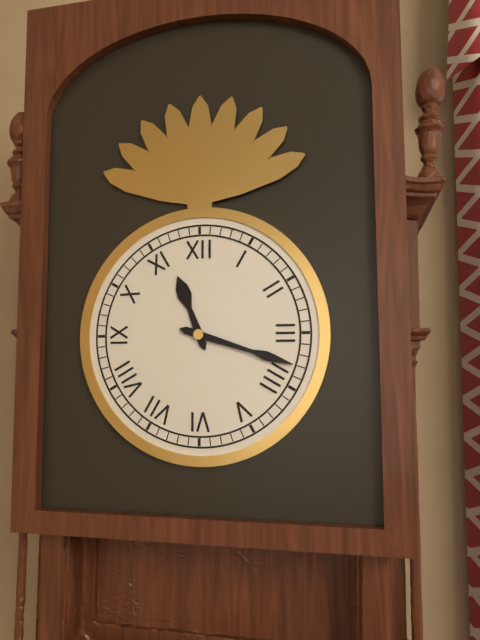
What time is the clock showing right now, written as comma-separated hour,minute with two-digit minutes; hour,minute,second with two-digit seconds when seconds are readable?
11,18
